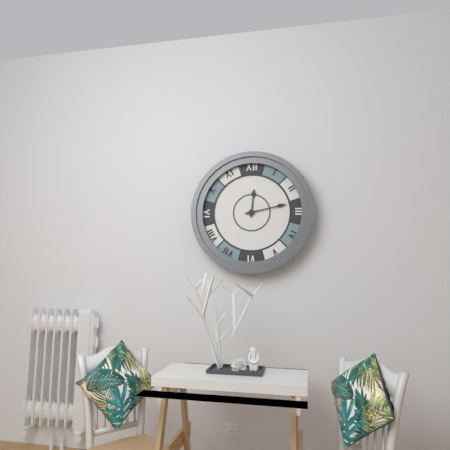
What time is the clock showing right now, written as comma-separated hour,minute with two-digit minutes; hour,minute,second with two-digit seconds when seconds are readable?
12,13
